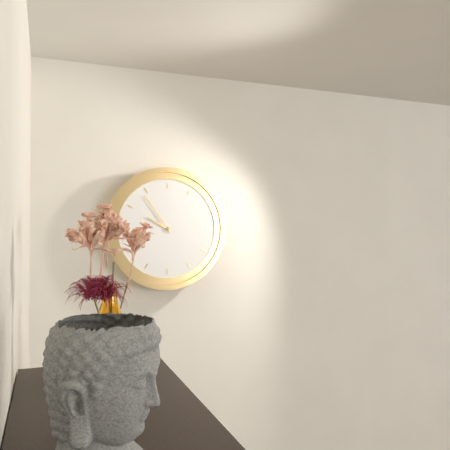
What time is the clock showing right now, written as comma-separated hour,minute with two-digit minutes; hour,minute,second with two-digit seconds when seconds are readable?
9,54
